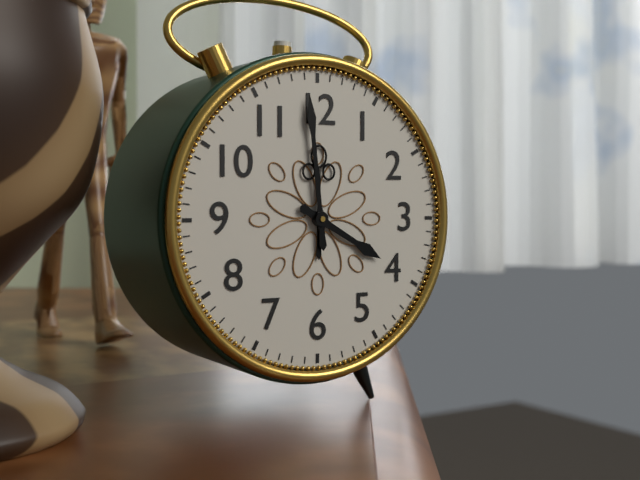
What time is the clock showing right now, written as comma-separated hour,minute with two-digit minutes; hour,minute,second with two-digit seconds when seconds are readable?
3,59
